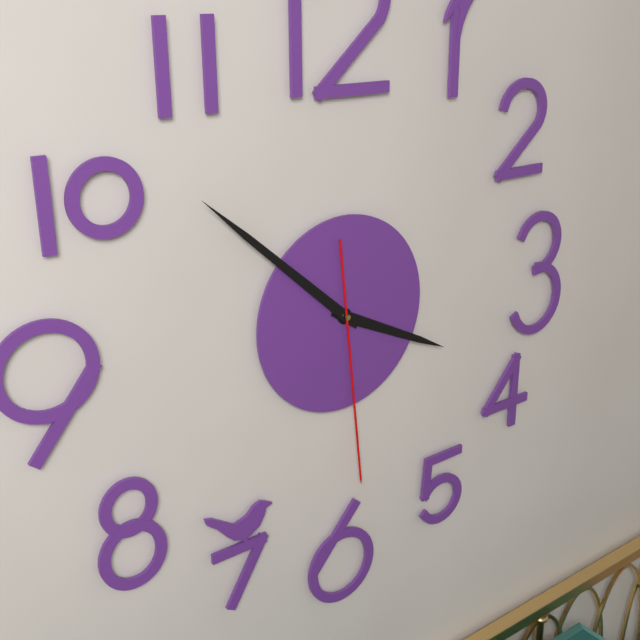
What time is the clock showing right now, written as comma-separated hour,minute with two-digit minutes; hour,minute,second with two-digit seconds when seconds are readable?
3,52,29
